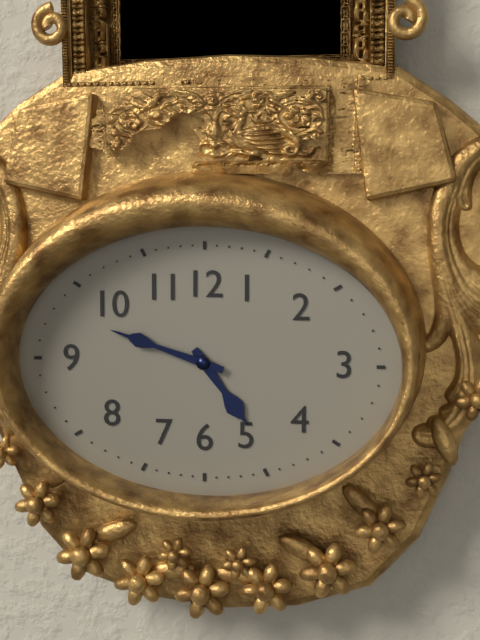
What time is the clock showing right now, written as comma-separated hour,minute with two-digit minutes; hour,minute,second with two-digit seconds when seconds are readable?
4,48
